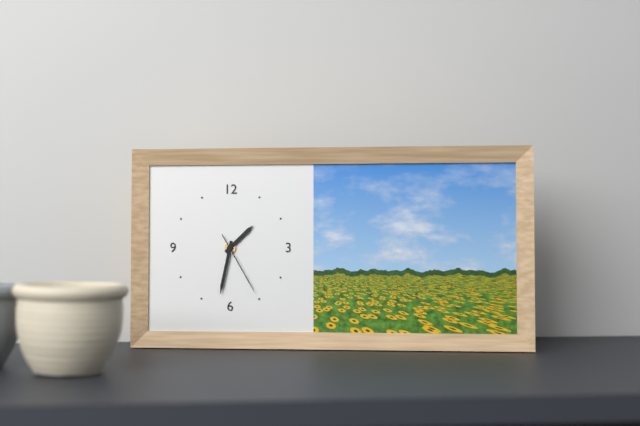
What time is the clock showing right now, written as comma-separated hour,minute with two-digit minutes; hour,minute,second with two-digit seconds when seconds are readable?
1,32,25
